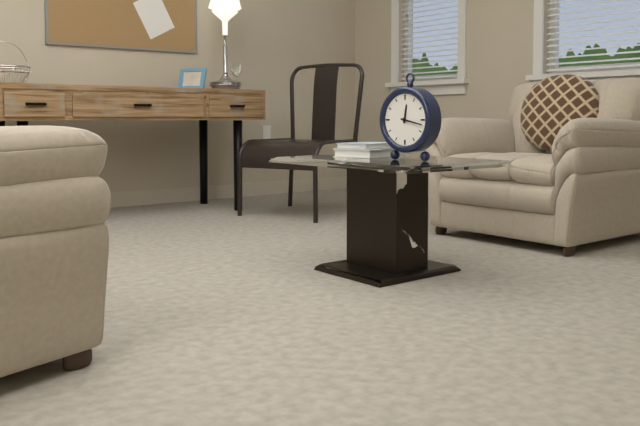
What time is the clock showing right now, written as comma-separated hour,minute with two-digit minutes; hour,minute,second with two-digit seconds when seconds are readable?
12,17
